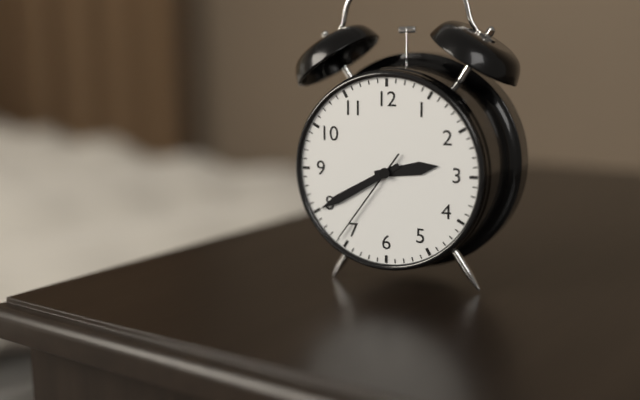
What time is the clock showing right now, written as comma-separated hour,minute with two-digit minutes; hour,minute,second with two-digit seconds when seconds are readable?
2,40,36
